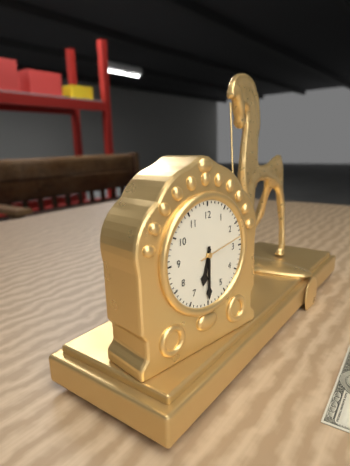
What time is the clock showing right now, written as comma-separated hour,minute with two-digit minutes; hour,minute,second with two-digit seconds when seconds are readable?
6,30
